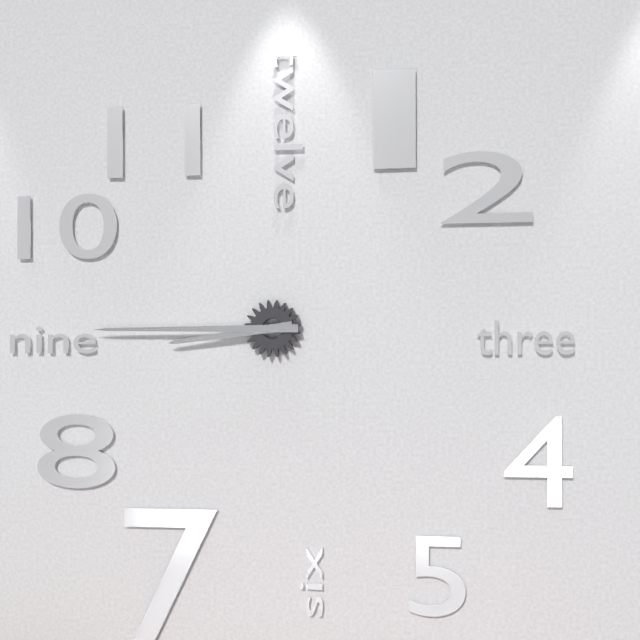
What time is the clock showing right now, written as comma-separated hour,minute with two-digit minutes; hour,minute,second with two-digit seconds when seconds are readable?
8,45
